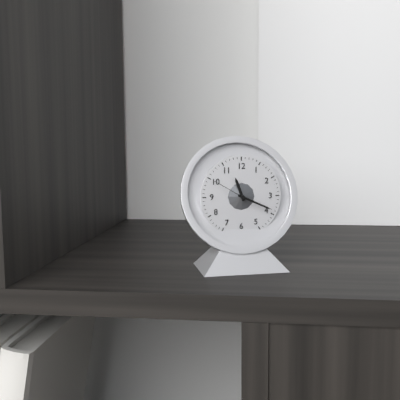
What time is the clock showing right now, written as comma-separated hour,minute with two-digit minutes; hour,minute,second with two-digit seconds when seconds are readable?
11,19
